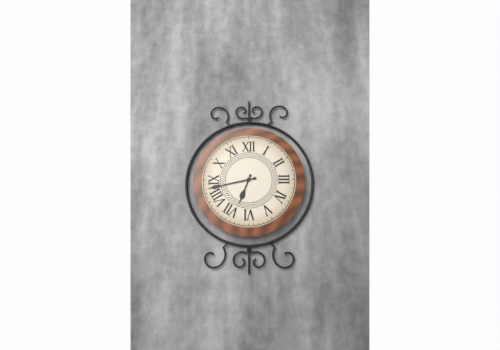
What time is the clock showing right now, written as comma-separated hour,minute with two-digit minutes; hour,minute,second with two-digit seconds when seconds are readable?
6,43
